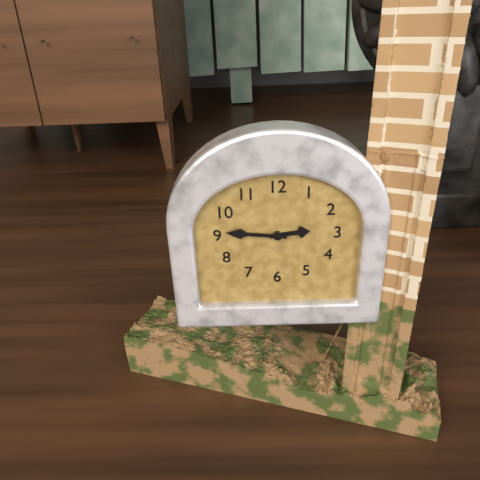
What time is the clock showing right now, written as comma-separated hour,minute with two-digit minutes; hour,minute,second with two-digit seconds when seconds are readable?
2,46
